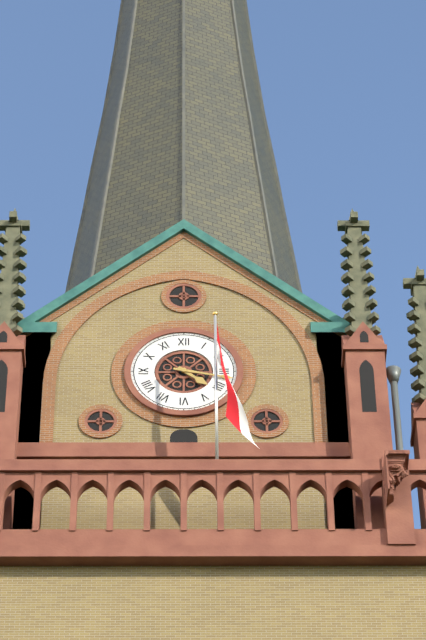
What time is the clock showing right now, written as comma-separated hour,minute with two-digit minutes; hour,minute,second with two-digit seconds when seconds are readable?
4,17
